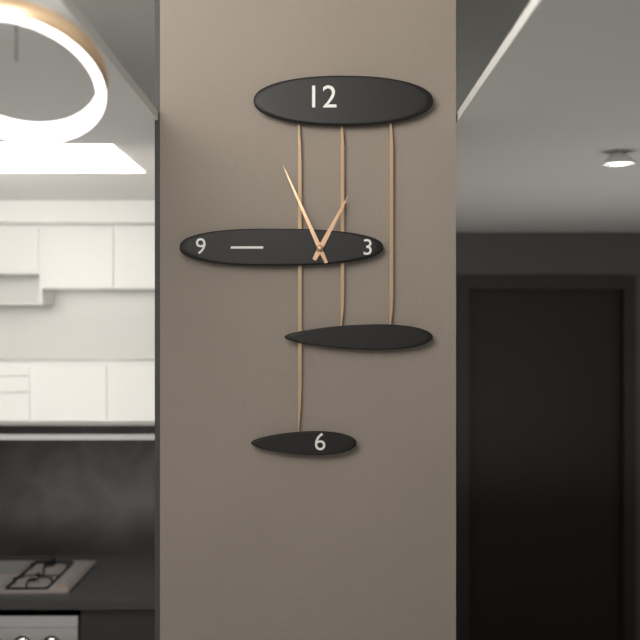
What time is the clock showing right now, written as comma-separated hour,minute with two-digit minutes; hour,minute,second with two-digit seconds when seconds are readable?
12,56
